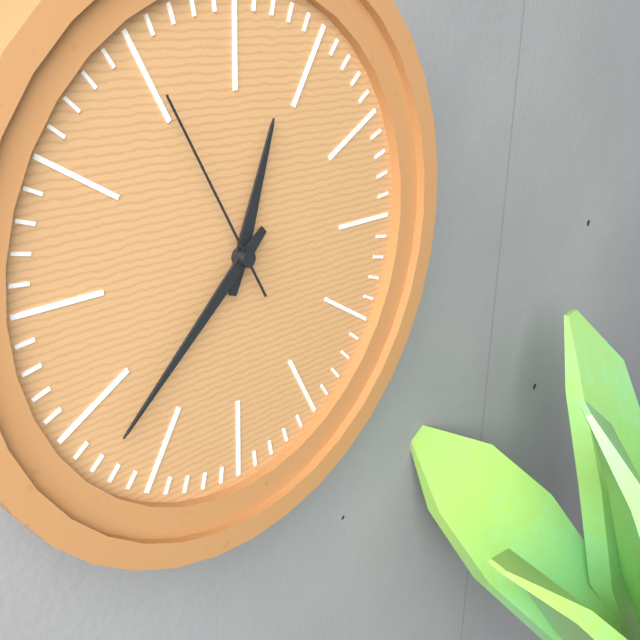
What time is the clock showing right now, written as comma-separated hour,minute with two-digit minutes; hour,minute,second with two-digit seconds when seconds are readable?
12,38,55
